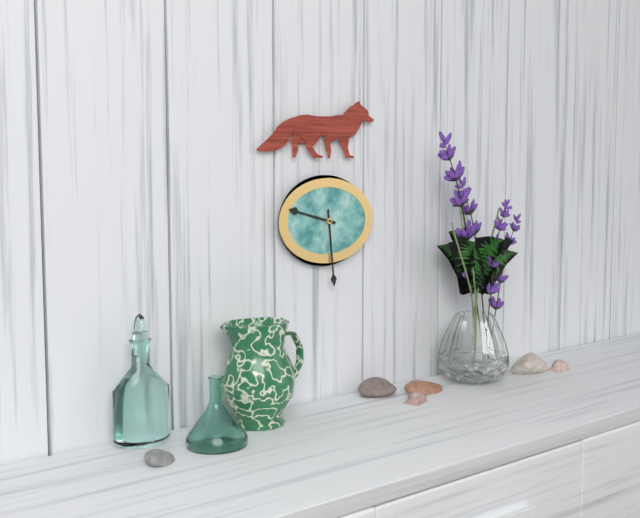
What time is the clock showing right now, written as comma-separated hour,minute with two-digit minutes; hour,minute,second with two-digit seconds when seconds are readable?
9,29
